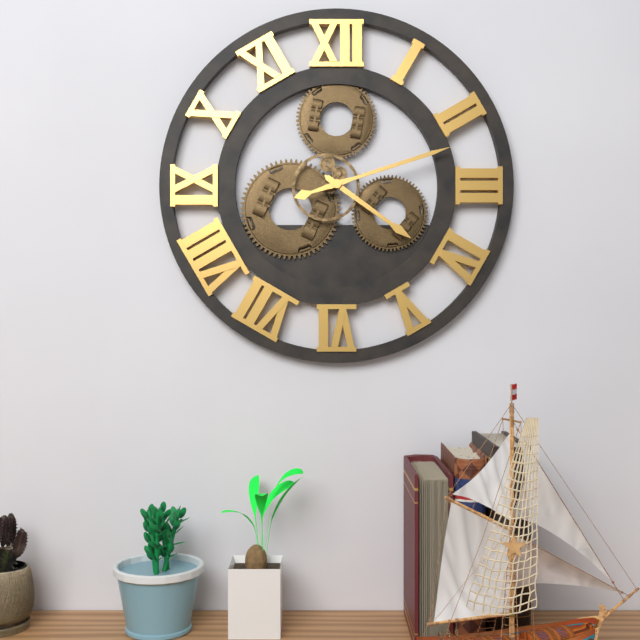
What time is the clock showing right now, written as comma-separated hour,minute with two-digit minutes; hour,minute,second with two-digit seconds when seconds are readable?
4,12
